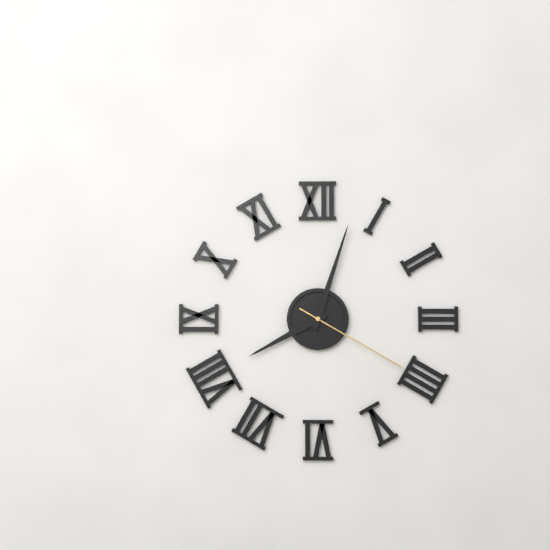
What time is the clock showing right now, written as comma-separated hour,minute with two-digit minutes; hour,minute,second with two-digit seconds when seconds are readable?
8,03,20
